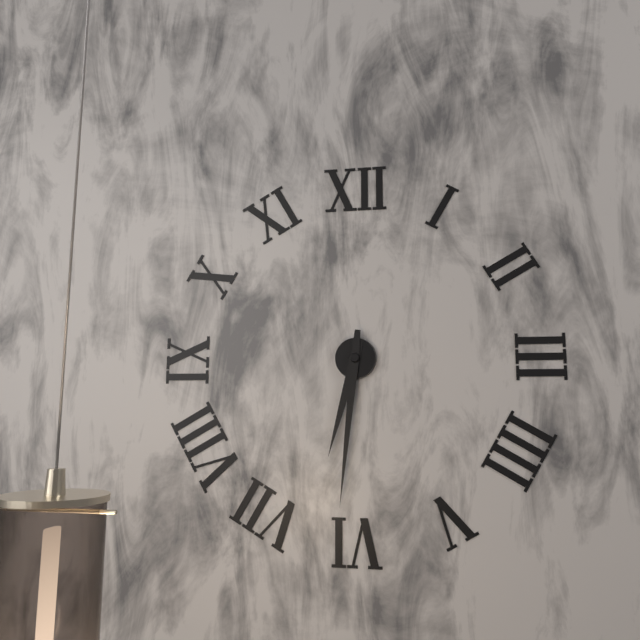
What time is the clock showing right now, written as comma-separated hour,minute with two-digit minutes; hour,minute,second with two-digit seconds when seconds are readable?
6,31
